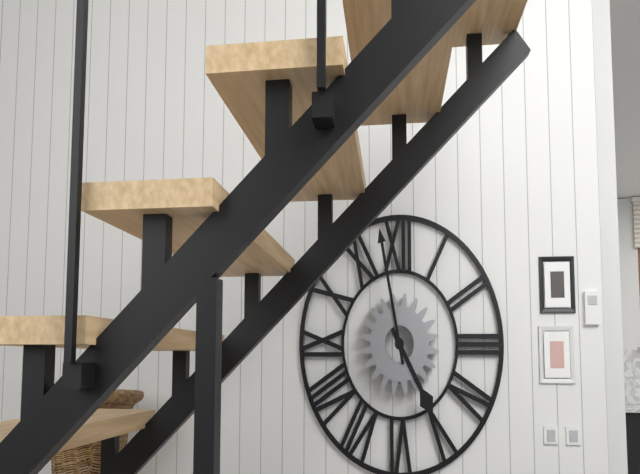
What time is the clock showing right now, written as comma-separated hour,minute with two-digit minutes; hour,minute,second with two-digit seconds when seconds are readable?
4,58
